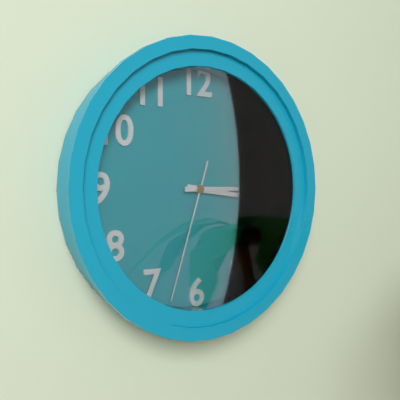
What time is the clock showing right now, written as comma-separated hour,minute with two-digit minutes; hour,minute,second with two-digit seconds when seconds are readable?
3,15,33
